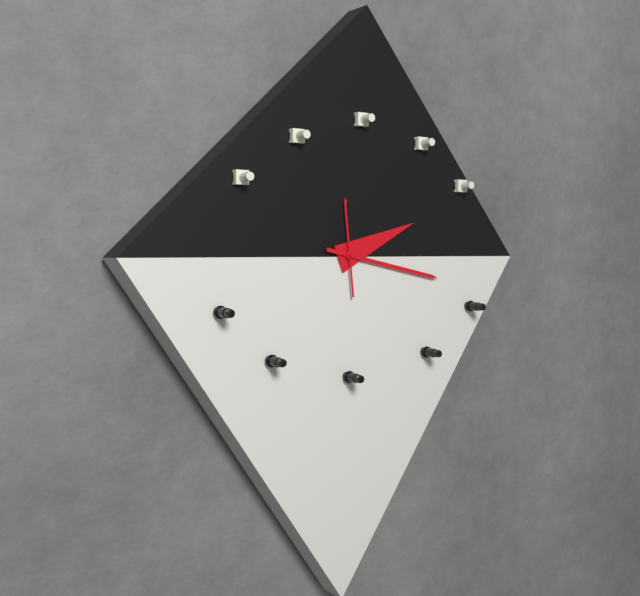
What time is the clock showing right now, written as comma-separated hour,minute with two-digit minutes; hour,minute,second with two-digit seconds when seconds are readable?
2,17,59
